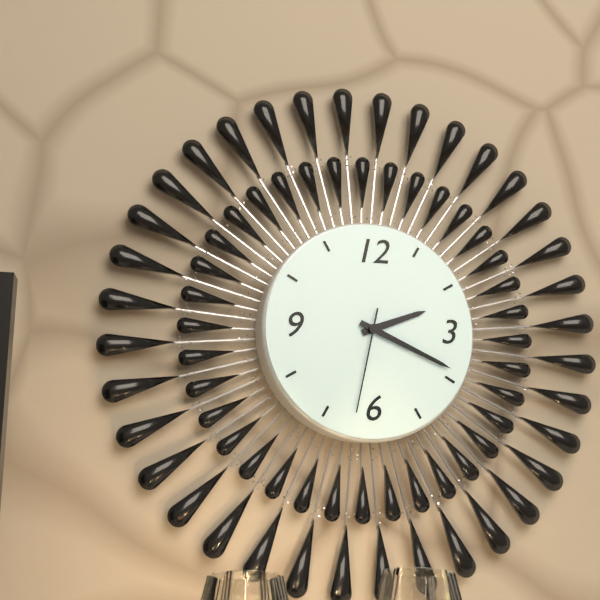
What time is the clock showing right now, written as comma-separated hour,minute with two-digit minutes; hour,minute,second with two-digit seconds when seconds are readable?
2,19,32
